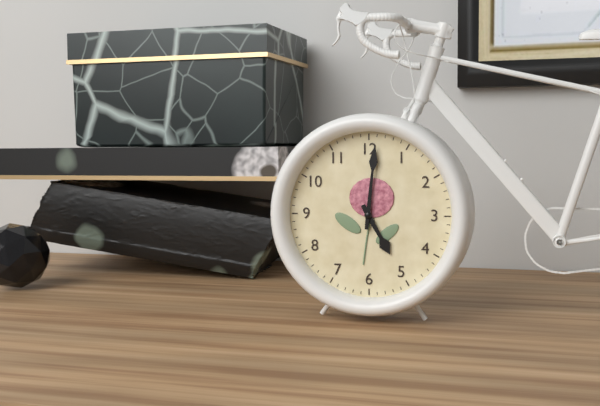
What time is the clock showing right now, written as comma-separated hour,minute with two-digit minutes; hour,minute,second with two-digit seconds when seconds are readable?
5,01
